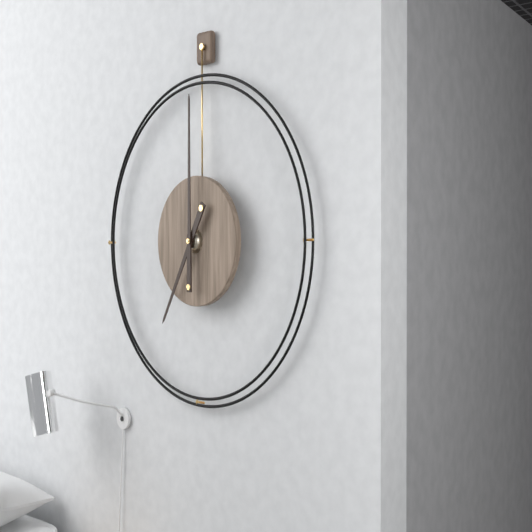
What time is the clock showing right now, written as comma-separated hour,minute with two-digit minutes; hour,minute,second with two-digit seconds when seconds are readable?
7,00
